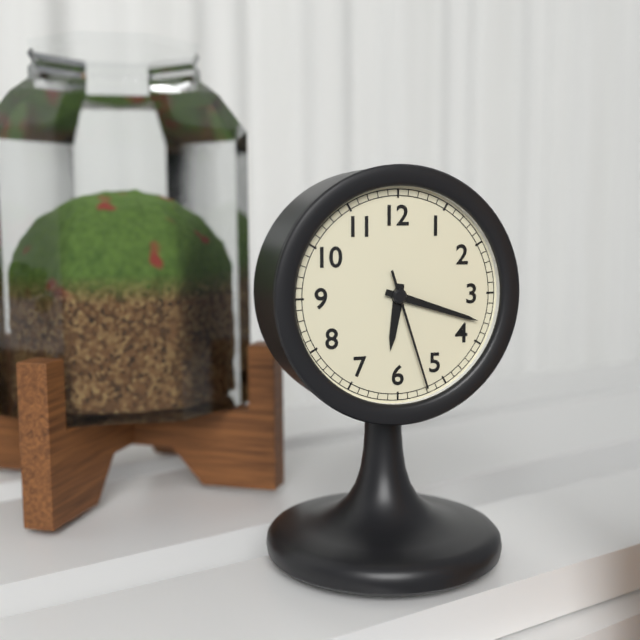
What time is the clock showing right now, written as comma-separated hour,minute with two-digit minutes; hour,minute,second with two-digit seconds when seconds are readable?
6,18,27
